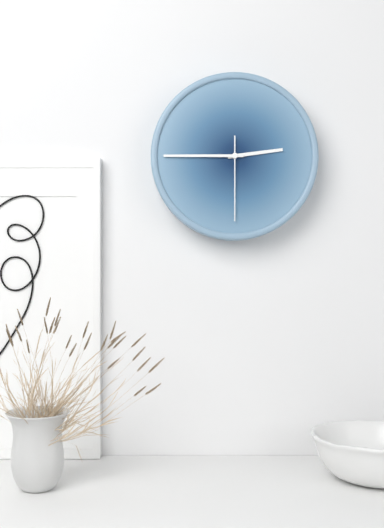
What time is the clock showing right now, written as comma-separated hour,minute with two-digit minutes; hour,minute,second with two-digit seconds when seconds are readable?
2,45,30
